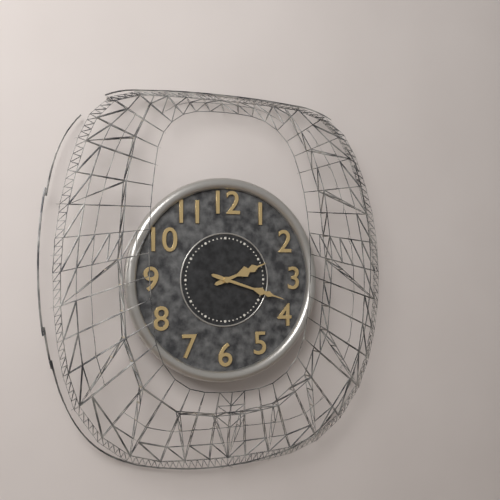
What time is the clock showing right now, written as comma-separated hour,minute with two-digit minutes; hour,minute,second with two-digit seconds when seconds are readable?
2,18
